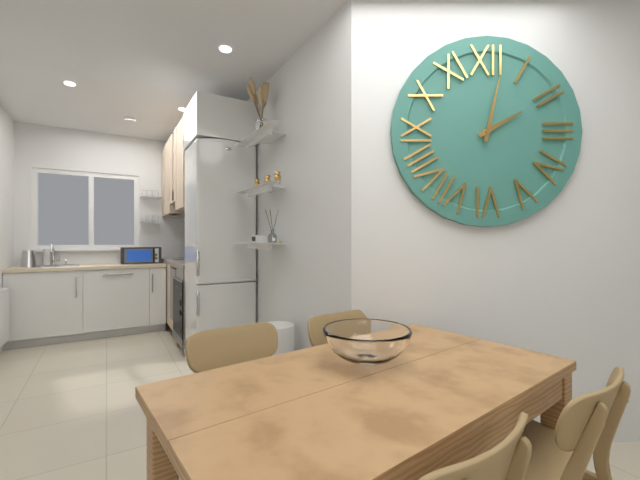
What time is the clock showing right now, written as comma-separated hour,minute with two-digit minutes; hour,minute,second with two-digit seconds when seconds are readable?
2,02
